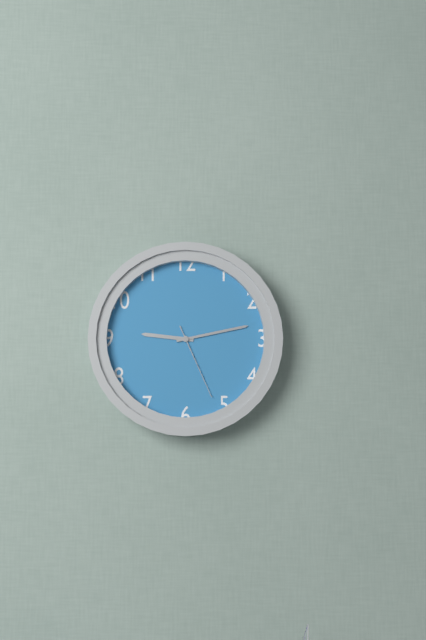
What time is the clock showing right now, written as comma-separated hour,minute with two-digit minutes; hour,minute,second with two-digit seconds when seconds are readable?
9,13,26
